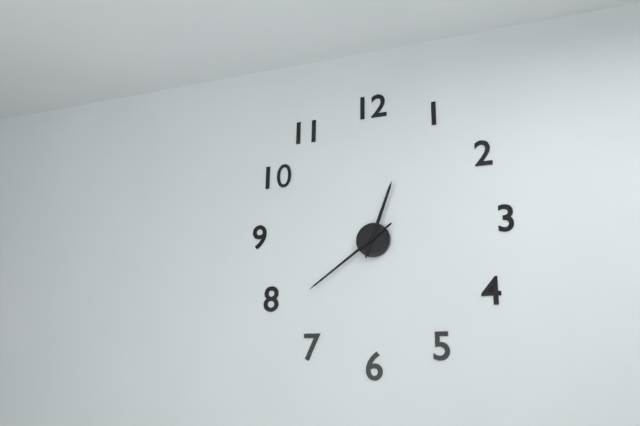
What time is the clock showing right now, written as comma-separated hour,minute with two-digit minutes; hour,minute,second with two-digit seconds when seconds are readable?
12,39
